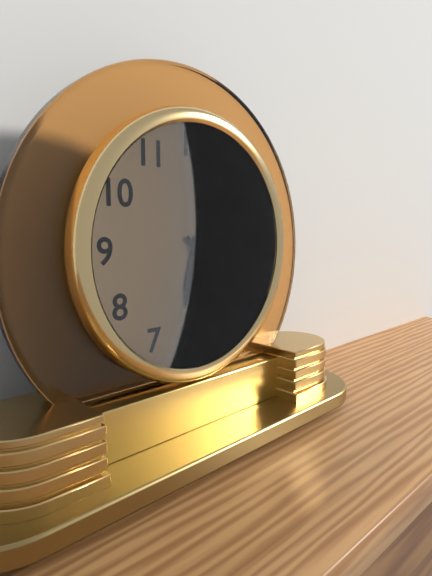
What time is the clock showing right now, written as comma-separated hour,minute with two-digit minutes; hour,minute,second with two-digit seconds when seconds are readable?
6,23
